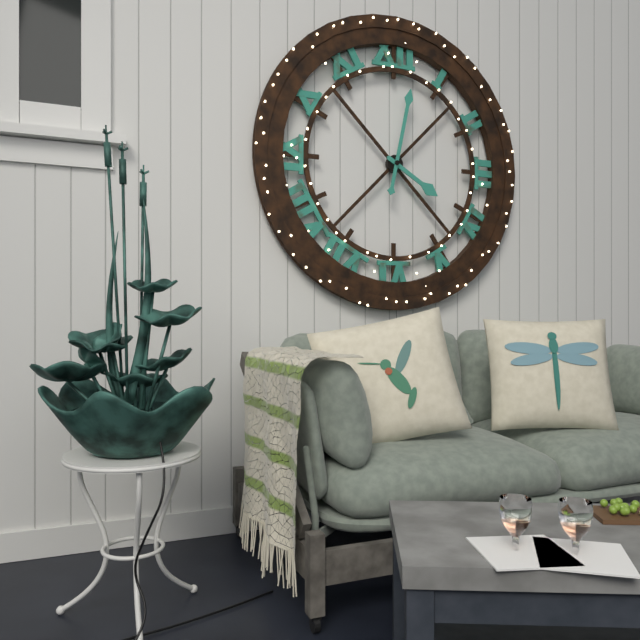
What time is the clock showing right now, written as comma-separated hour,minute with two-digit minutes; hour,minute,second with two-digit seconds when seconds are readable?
4,02
